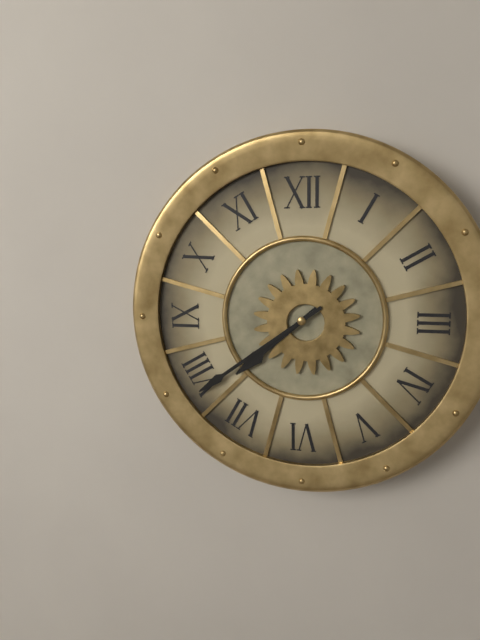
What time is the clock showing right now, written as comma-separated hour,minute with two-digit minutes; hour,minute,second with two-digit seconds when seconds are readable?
7,39
